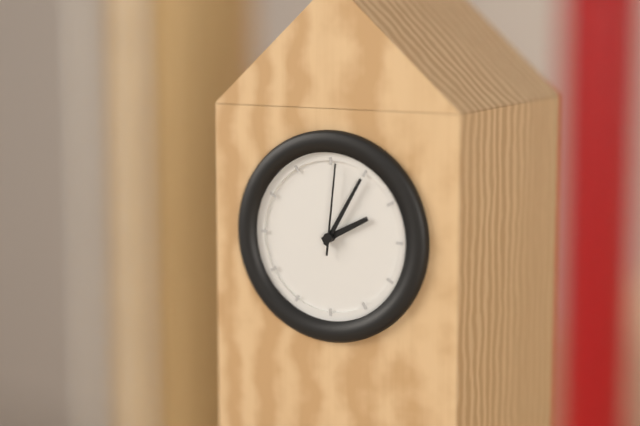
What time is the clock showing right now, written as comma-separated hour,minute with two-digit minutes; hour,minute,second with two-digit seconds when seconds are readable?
2,05,01
